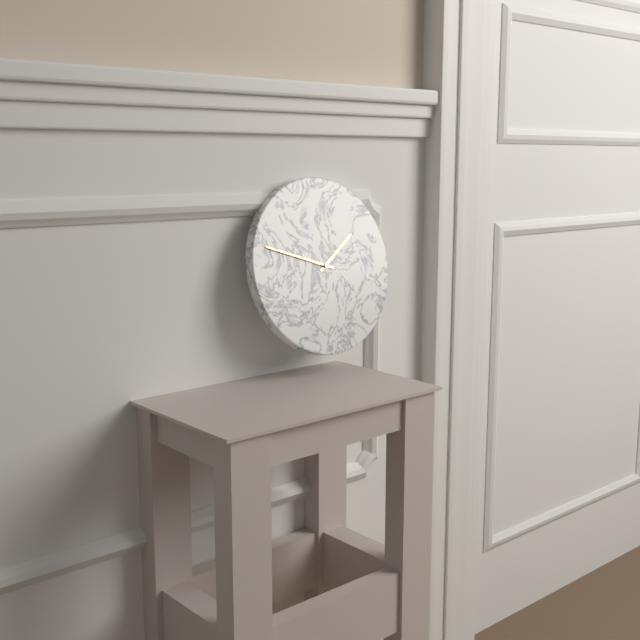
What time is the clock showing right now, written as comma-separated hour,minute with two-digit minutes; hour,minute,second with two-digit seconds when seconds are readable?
1,48
